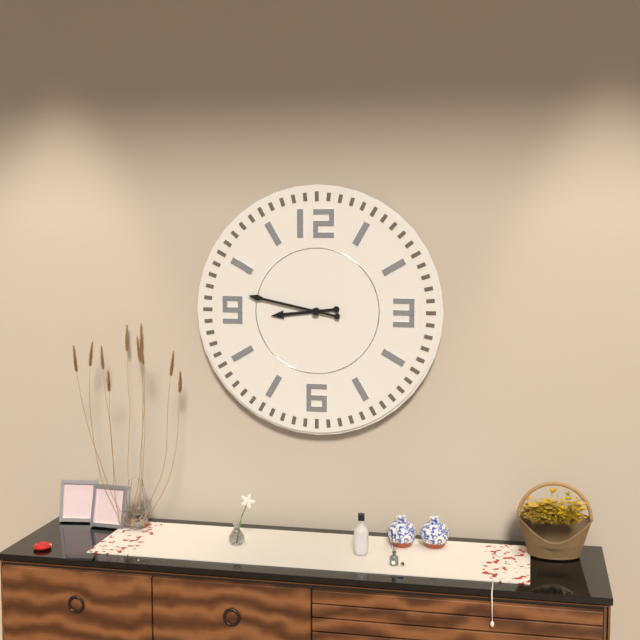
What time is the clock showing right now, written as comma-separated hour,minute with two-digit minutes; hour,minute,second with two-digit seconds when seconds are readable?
8,47
